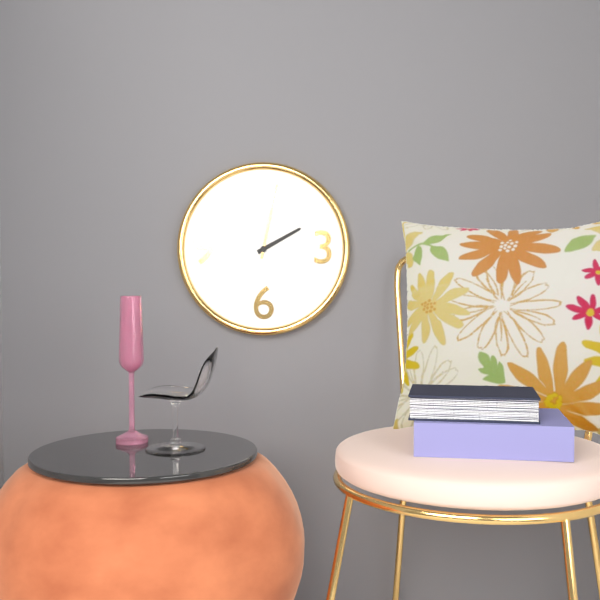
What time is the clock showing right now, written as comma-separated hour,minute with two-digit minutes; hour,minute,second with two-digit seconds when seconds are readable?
2,02
